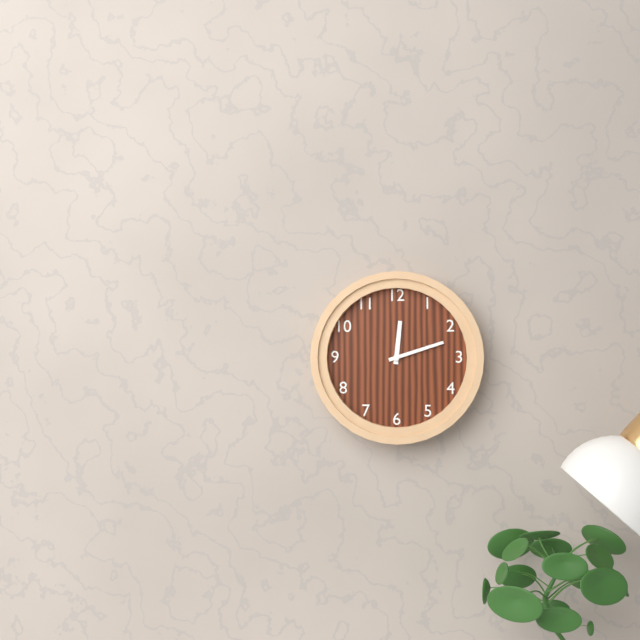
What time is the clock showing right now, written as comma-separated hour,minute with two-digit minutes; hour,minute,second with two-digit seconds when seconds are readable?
12,12
